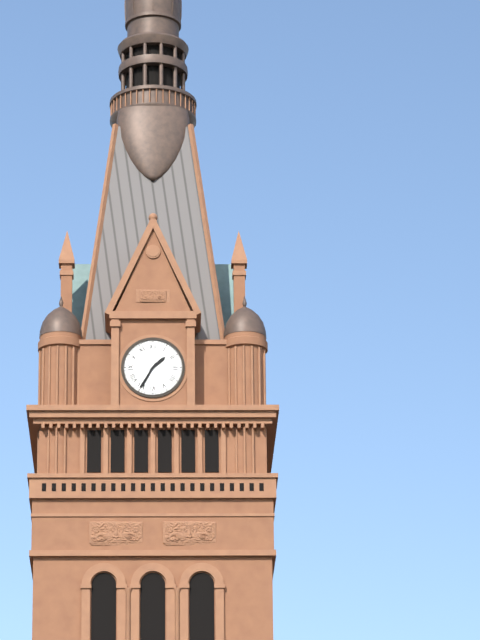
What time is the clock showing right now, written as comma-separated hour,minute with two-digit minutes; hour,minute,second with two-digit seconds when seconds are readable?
1,35
